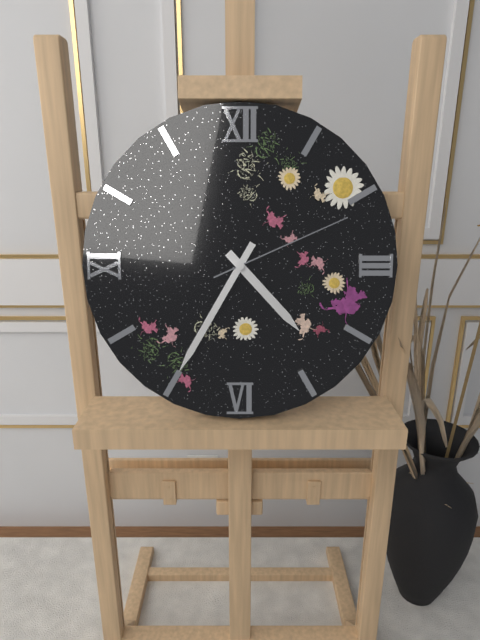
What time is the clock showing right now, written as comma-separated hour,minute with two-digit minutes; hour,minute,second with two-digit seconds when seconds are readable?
4,35,11
